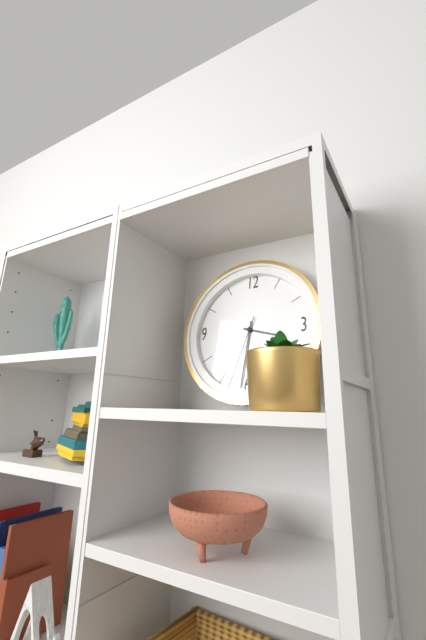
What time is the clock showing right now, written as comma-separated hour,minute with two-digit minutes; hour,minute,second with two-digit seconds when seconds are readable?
3,31,33
